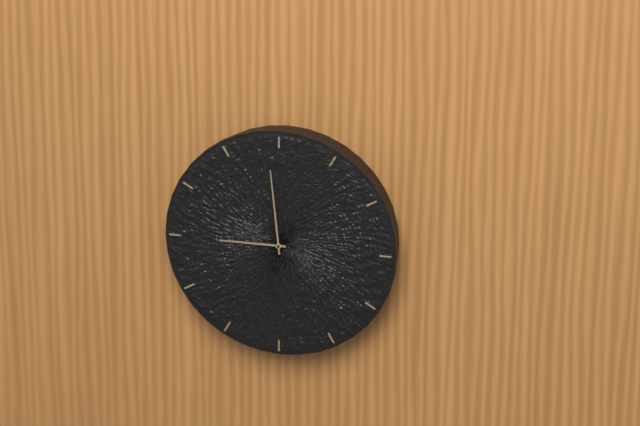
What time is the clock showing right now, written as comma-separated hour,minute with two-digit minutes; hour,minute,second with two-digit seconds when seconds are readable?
8,59
